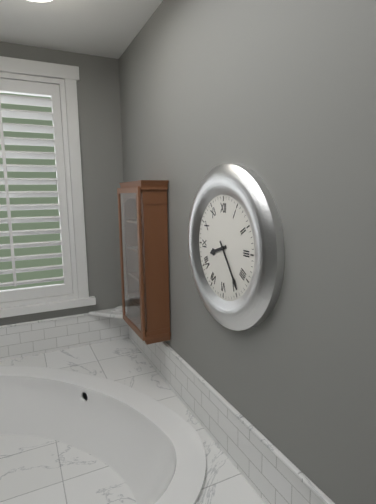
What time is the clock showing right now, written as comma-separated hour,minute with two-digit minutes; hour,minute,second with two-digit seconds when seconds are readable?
8,24
